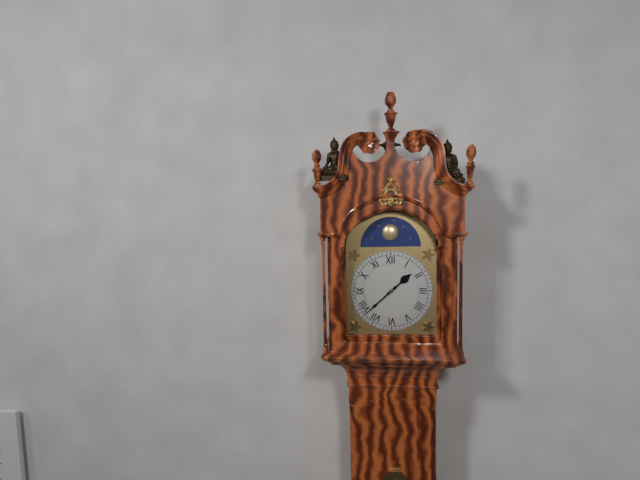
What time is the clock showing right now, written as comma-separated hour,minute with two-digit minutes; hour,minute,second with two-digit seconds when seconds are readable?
1,38
